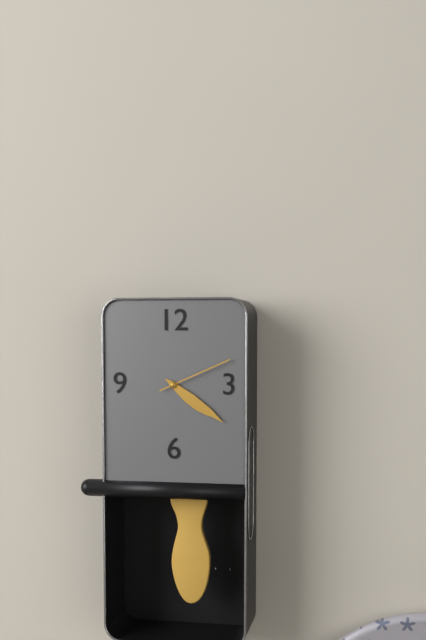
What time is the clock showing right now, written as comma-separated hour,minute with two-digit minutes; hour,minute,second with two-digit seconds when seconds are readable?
4,21,11
